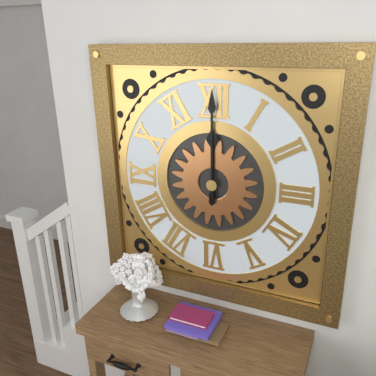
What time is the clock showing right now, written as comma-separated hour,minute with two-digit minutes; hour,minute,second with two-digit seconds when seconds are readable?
12,00
